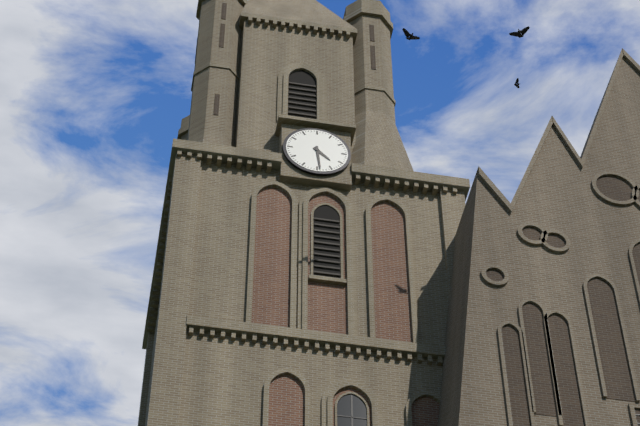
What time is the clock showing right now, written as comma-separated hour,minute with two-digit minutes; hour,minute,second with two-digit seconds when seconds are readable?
4,29
